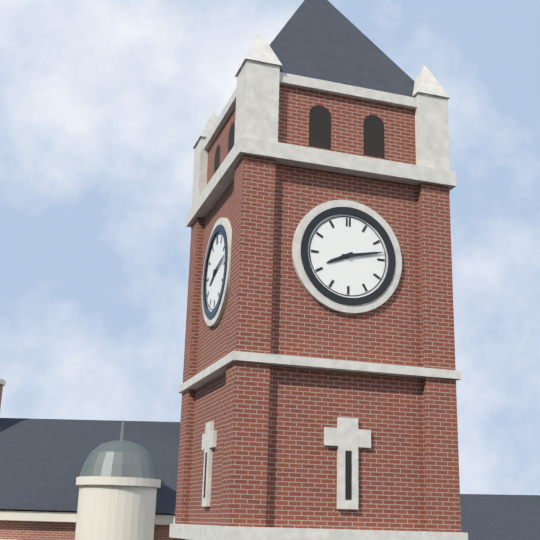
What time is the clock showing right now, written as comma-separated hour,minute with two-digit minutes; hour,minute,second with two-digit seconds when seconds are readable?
8,13
